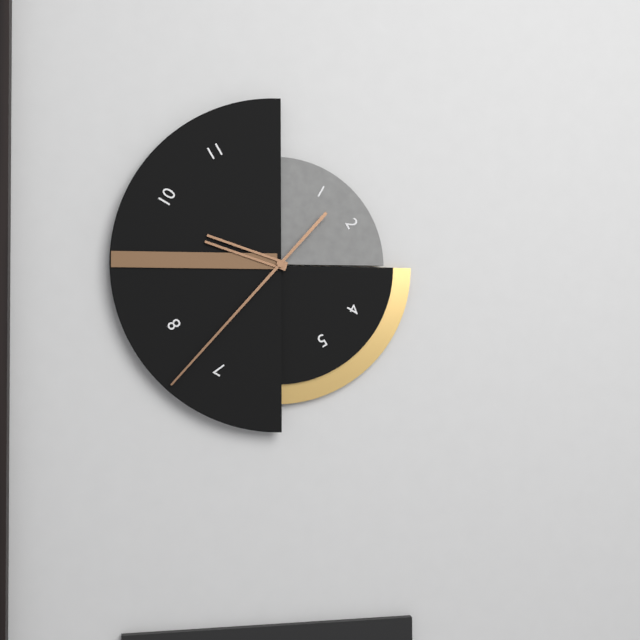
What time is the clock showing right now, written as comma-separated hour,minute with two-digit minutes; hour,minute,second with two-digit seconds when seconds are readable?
9,37
